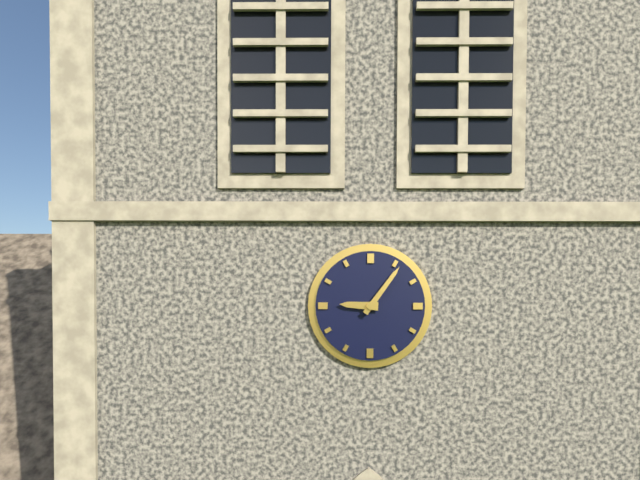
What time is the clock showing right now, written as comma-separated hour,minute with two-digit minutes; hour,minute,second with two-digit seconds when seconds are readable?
9,06
